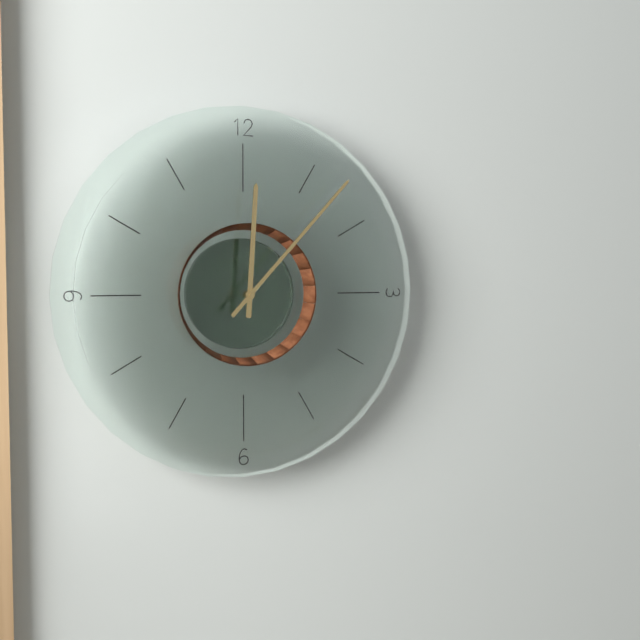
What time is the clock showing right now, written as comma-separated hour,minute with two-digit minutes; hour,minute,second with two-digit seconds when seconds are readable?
12,07
